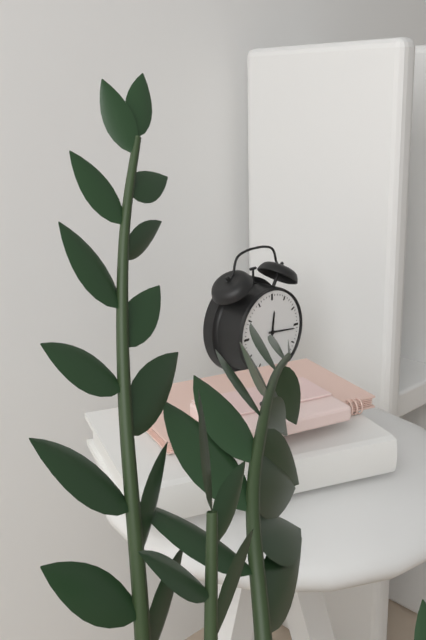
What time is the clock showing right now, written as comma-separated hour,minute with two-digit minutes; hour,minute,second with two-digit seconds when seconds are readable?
12,16
